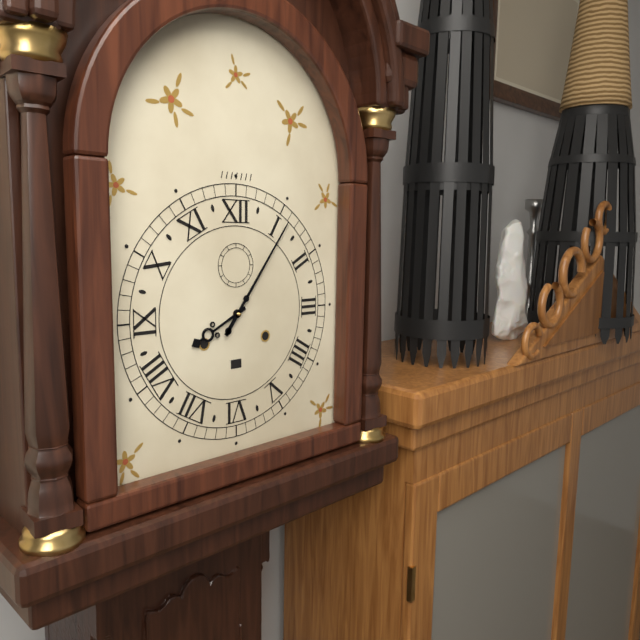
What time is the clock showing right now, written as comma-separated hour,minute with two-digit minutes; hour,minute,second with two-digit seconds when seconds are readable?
8,06
